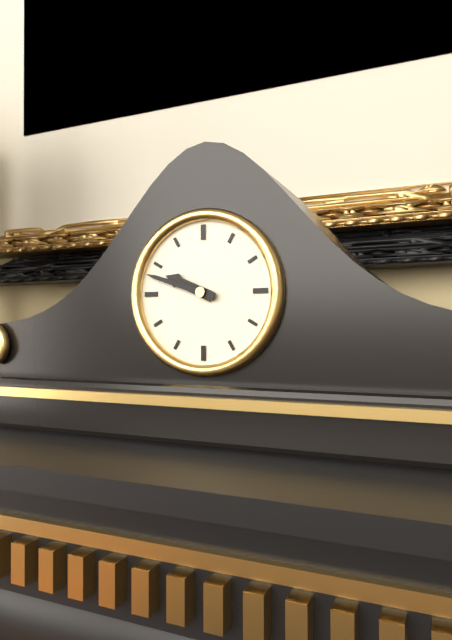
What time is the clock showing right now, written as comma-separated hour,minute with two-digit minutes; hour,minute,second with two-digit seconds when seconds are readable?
9,48
